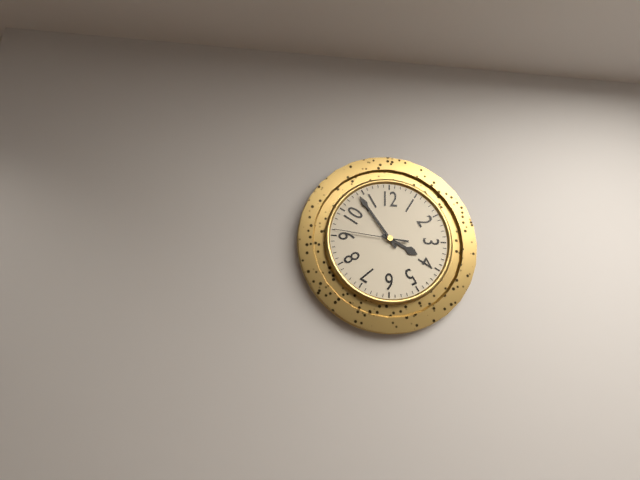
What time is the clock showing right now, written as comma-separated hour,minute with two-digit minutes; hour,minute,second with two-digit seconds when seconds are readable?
3,54,46
